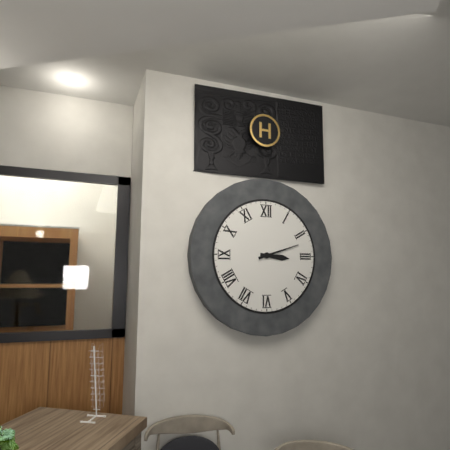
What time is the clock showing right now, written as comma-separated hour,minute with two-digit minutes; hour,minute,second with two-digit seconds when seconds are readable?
3,12
